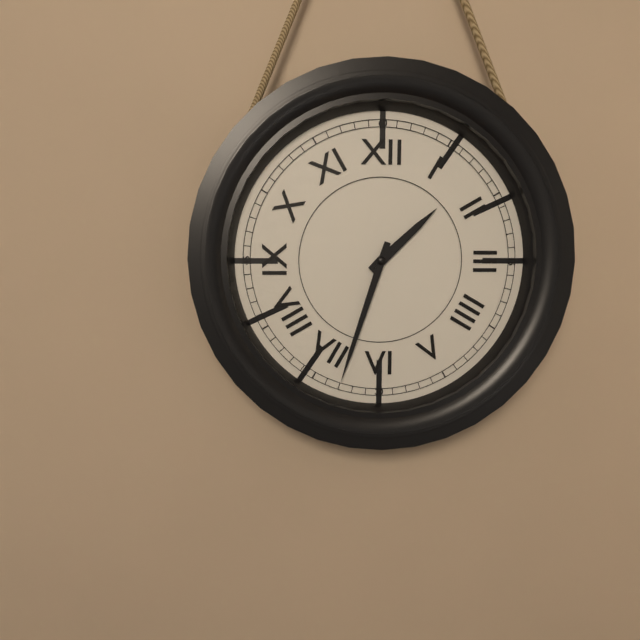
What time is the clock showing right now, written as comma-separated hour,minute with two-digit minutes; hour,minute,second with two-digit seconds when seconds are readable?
1,33
